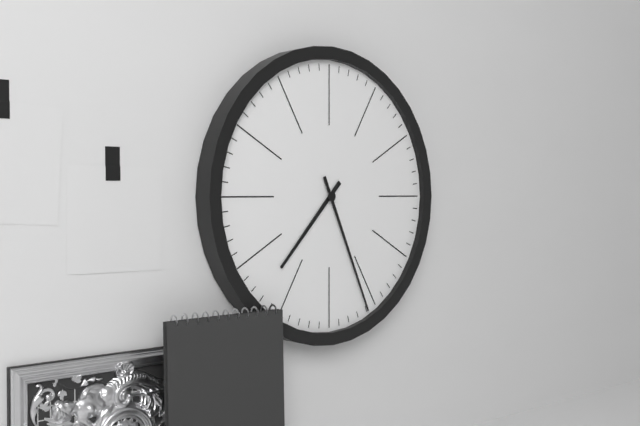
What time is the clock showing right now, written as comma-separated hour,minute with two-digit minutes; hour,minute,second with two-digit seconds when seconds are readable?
7,26
